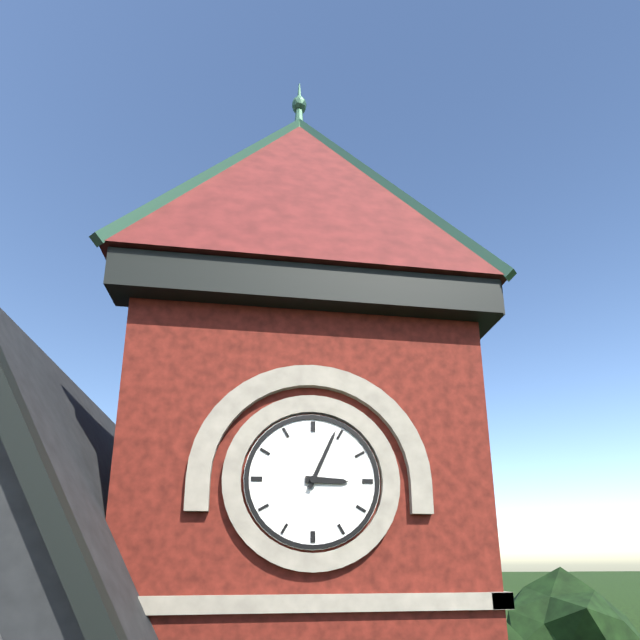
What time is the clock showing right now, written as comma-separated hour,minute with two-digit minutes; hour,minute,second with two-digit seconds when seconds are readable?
3,04
